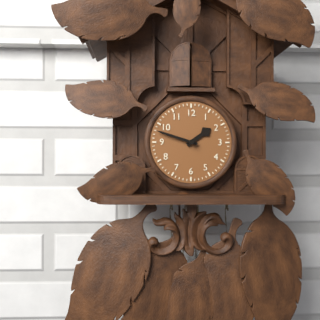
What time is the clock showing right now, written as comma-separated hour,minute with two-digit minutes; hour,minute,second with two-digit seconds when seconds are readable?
1,48
